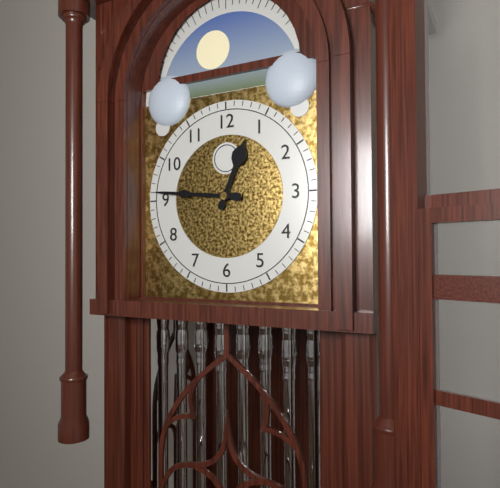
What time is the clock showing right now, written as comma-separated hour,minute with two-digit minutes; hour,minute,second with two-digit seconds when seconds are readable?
12,46
